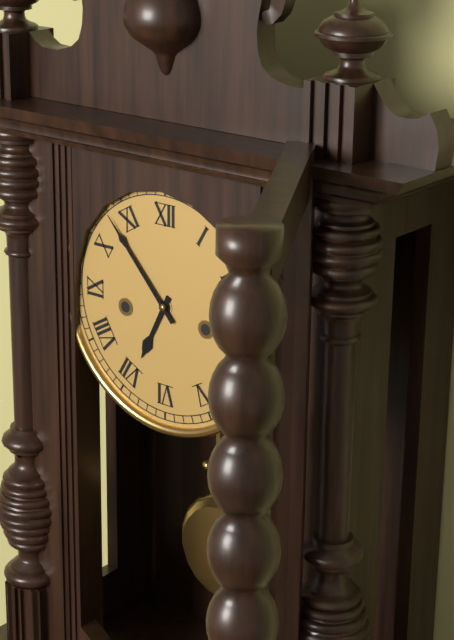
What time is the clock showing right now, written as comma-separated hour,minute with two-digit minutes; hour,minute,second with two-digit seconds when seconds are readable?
6,53
